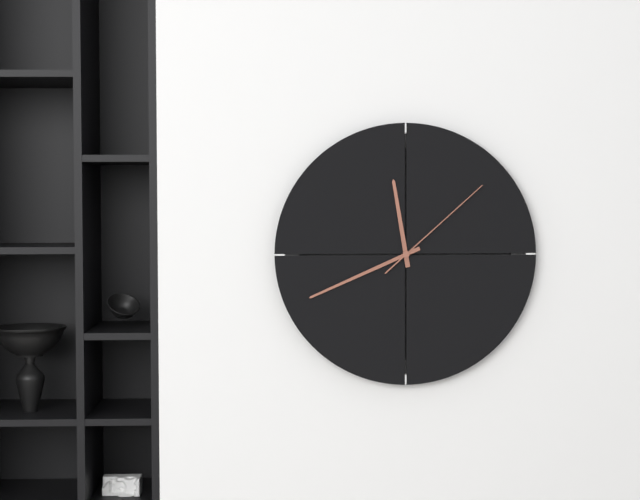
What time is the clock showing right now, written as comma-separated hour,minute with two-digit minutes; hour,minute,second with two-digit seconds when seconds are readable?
11,41,08
